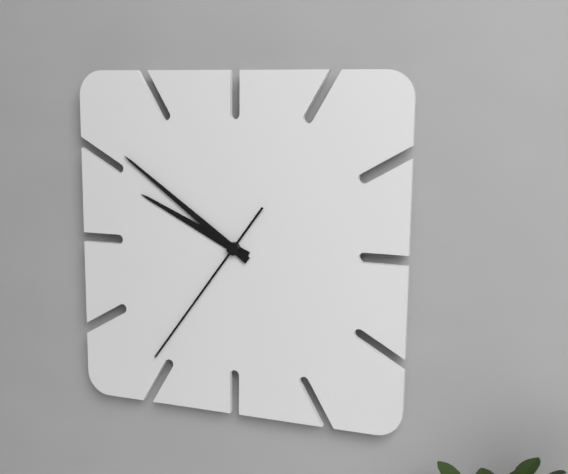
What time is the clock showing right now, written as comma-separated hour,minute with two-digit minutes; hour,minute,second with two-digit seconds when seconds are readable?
9,51,36
